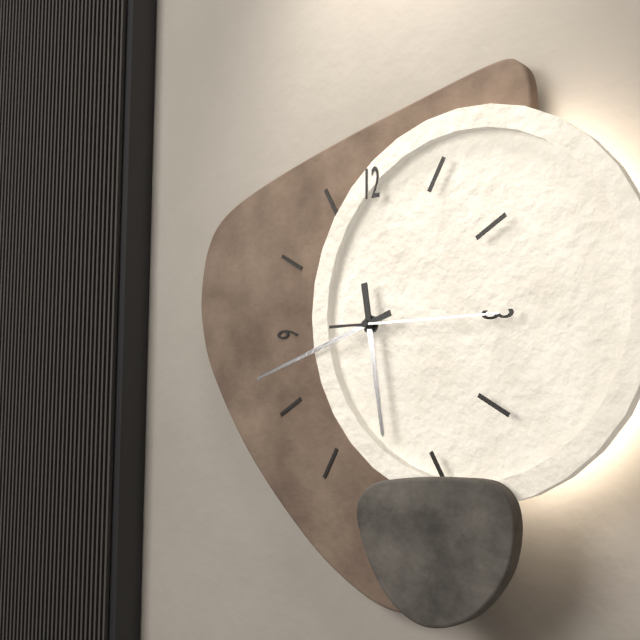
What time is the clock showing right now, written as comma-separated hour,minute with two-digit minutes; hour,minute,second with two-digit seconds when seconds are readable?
5,42,15
